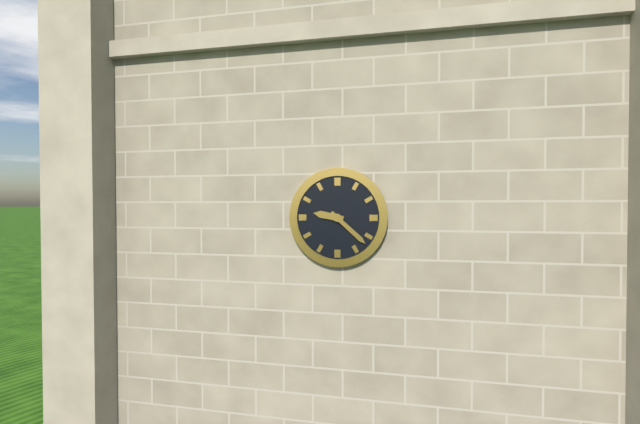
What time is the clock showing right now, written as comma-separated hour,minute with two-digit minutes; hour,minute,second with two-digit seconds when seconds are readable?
9,22
